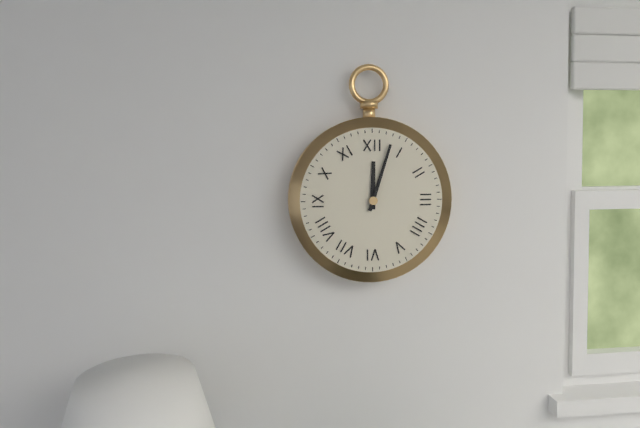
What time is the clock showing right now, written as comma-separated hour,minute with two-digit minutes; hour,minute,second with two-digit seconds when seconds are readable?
12,03
